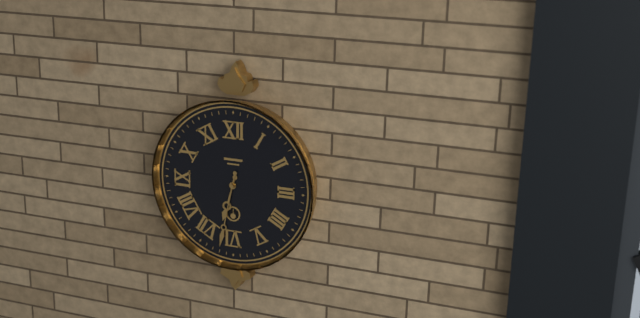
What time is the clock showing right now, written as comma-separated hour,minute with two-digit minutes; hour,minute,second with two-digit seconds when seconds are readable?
6,32
